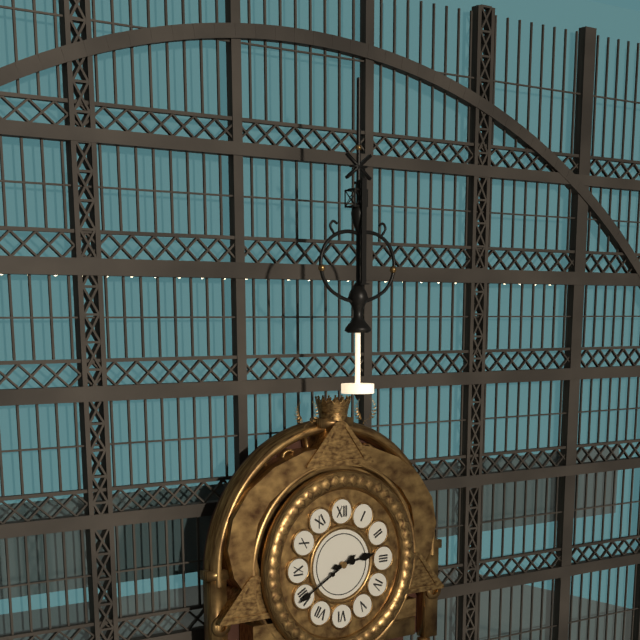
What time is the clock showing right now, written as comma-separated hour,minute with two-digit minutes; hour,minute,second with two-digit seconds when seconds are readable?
2,40
